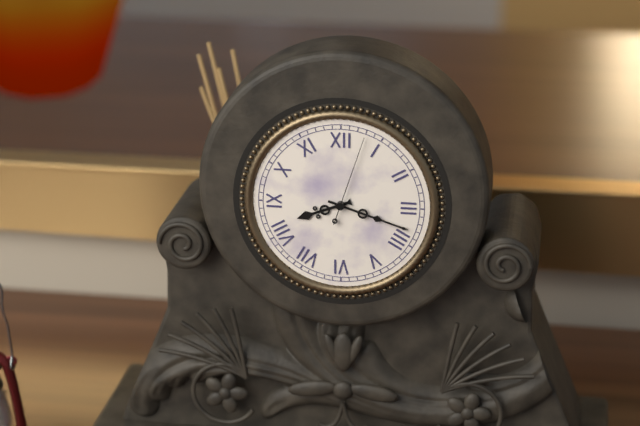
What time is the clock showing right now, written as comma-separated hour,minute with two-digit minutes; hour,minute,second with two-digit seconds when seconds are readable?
8,18,03
